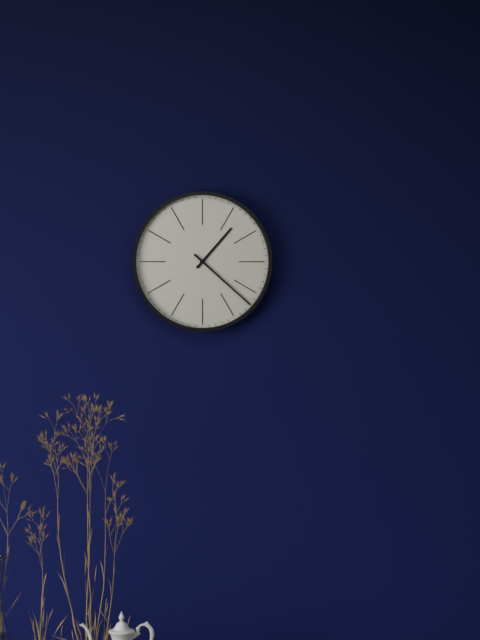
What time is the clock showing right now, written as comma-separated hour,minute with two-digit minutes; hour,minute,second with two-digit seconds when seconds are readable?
1,22
